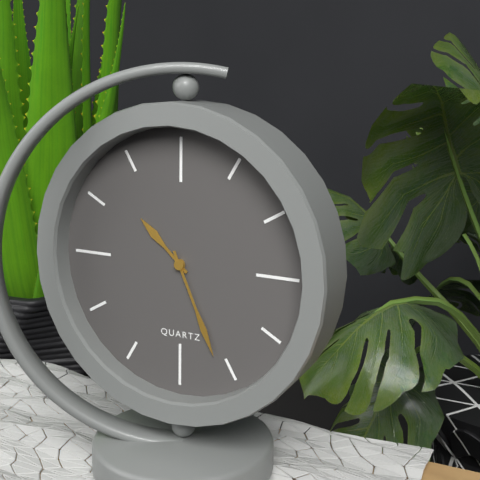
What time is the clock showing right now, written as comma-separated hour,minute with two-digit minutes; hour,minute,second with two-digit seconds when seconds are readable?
10,26
